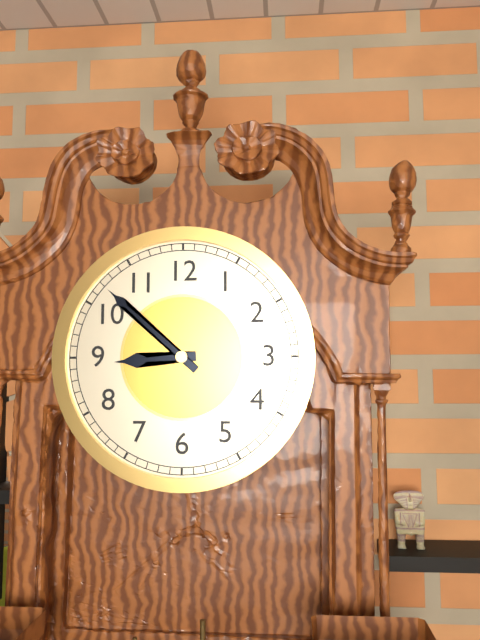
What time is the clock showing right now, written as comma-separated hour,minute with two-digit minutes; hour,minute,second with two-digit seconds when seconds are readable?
8,52
